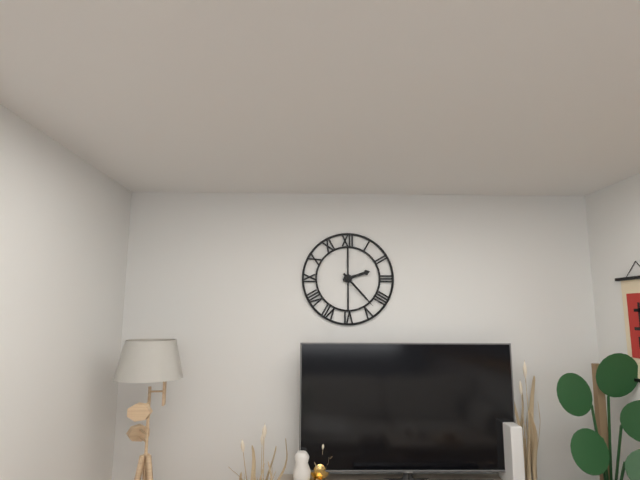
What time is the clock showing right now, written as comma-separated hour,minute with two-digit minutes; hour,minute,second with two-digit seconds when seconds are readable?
2,23
